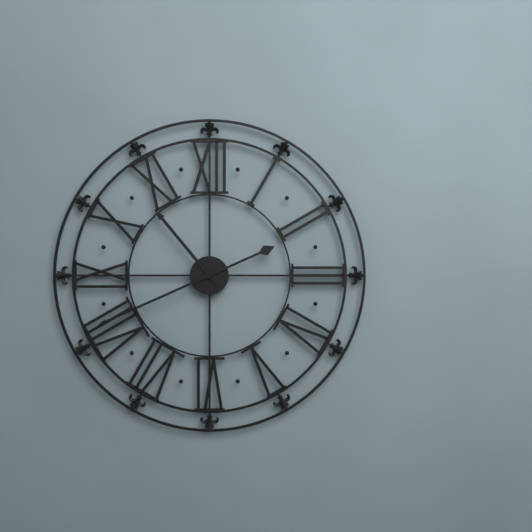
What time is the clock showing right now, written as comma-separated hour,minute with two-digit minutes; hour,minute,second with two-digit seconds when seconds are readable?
10,41
